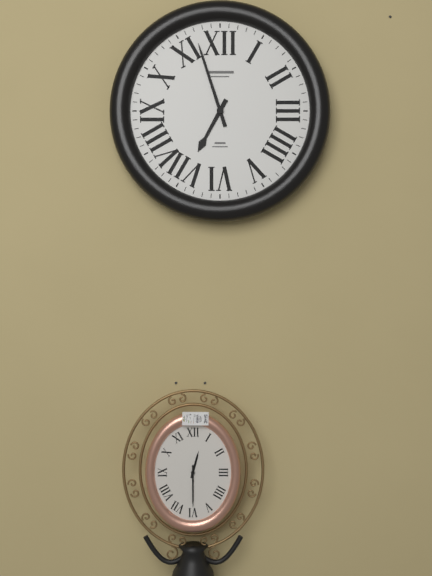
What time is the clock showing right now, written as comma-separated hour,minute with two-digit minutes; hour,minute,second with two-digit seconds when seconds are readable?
6,57
